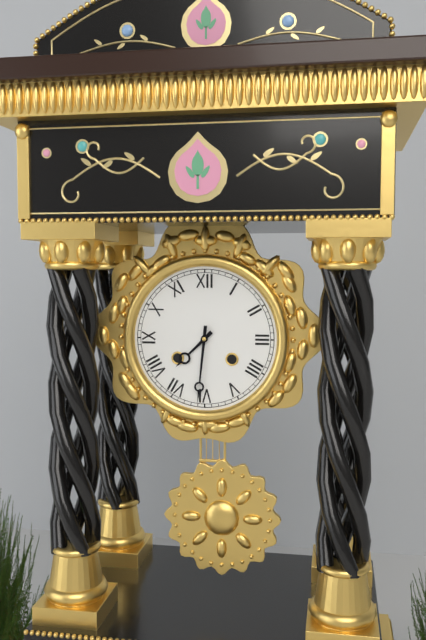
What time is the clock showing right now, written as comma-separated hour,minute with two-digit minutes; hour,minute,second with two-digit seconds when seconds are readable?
7,31
